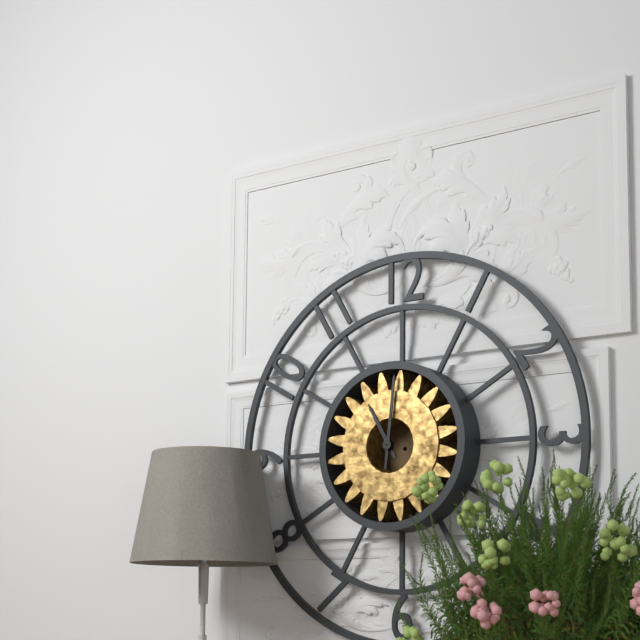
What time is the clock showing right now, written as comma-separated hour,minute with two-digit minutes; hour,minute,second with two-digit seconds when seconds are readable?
11,01
